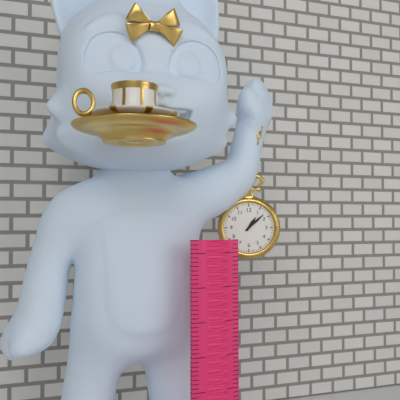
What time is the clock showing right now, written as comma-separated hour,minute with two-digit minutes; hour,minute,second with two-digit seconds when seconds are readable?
1,08
